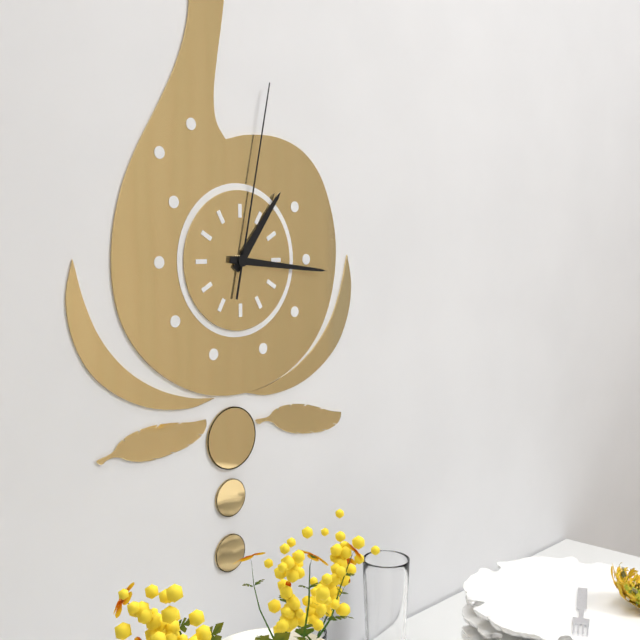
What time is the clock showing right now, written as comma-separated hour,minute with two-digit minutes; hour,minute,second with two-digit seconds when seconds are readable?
1,16,02
